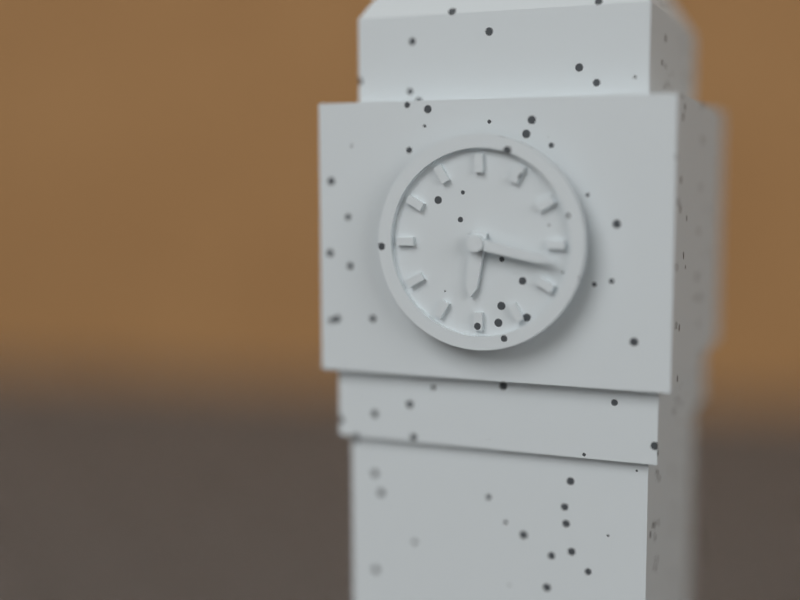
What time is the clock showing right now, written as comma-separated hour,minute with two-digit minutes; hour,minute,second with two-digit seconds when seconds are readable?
6,17
